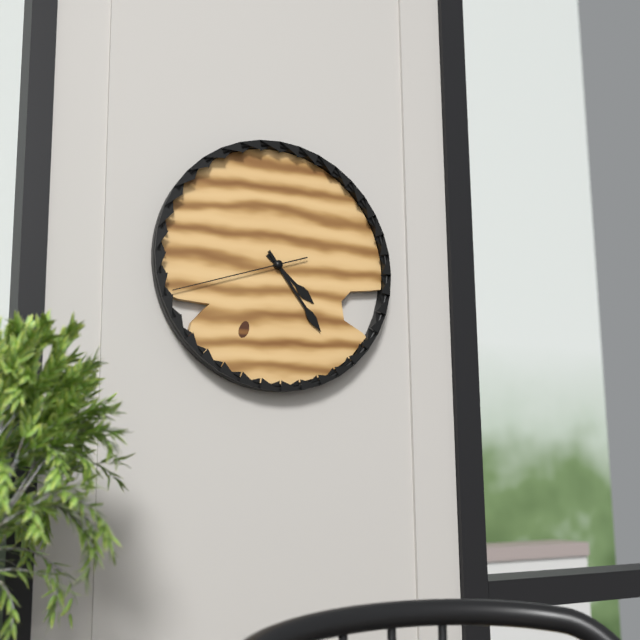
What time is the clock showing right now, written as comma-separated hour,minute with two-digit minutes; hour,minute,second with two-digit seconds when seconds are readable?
4,24,42
